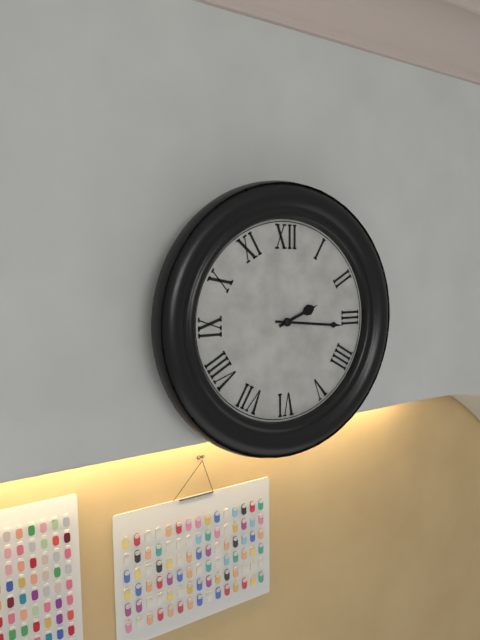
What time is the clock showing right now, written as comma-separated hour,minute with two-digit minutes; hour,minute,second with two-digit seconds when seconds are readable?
2,16
